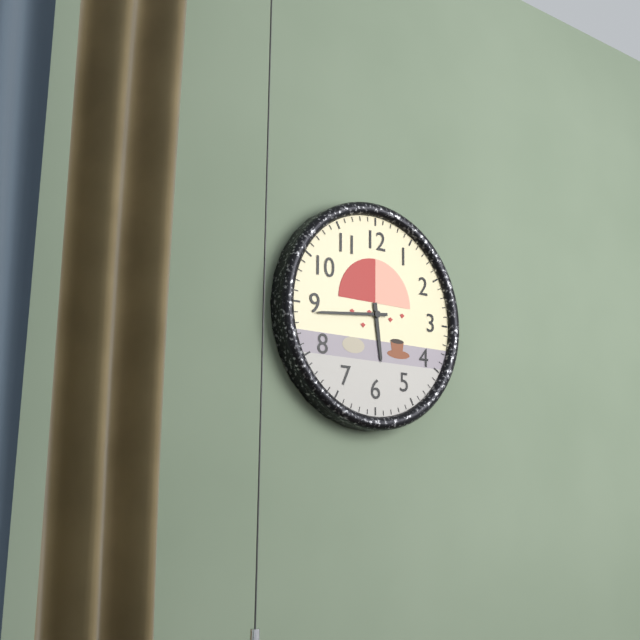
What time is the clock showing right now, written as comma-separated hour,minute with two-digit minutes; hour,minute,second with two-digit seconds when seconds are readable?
5,44
